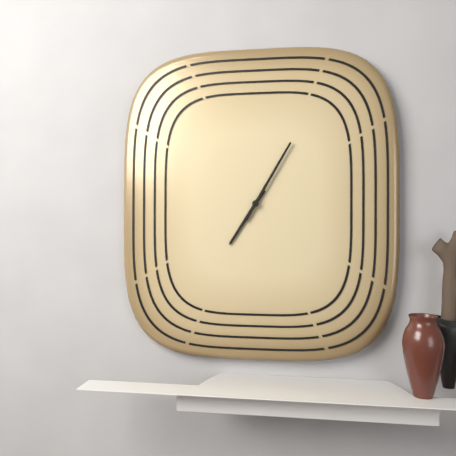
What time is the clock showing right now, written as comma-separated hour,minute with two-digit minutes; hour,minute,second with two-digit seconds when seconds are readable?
7,05
